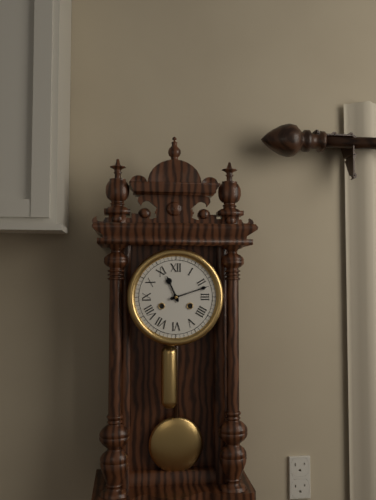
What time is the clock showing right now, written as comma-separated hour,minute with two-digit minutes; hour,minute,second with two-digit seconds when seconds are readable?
11,12
